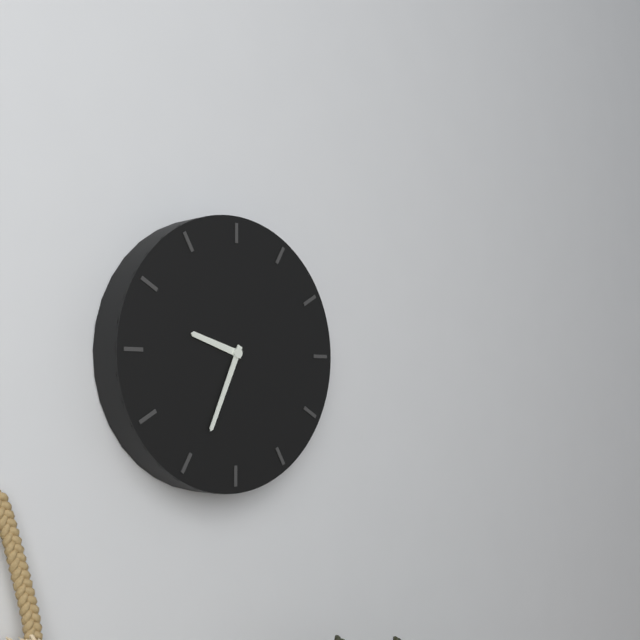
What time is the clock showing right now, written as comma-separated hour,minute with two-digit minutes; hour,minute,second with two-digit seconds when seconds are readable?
9,34
